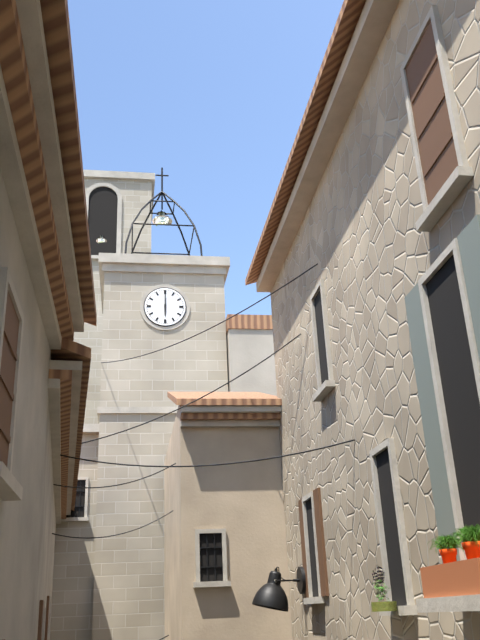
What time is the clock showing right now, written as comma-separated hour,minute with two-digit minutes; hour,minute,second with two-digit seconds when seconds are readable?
6,00
